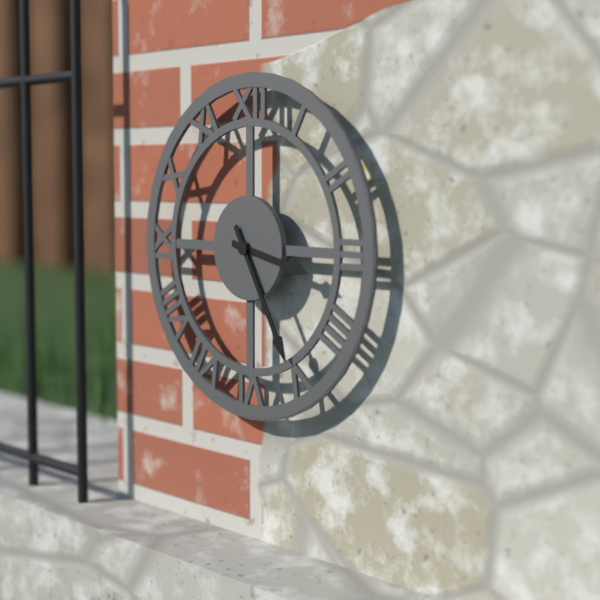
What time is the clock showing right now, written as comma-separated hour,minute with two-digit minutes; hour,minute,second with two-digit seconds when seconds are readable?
3,25
